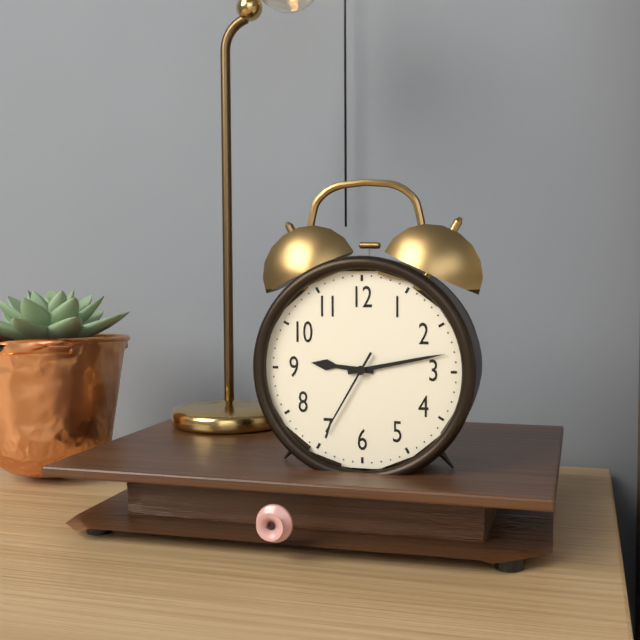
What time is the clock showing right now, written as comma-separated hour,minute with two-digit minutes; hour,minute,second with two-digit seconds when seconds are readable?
9,13,35
